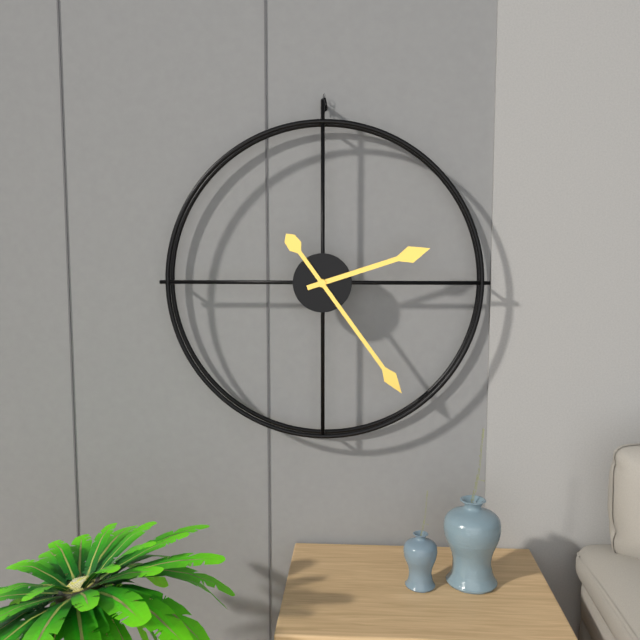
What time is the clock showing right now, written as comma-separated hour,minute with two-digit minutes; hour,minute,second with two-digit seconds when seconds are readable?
2,24
